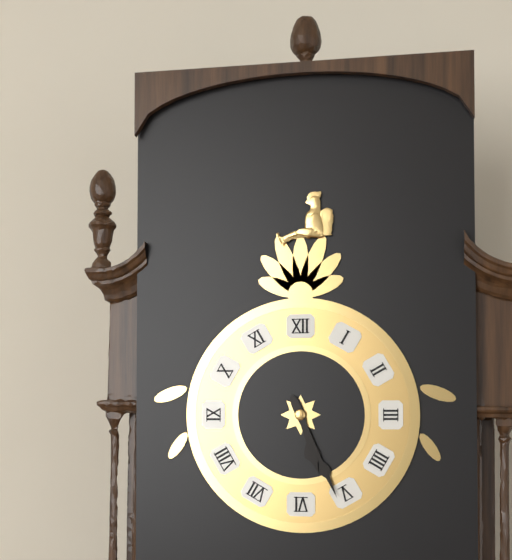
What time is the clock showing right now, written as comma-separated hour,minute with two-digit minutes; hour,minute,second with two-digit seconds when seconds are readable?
5,26
